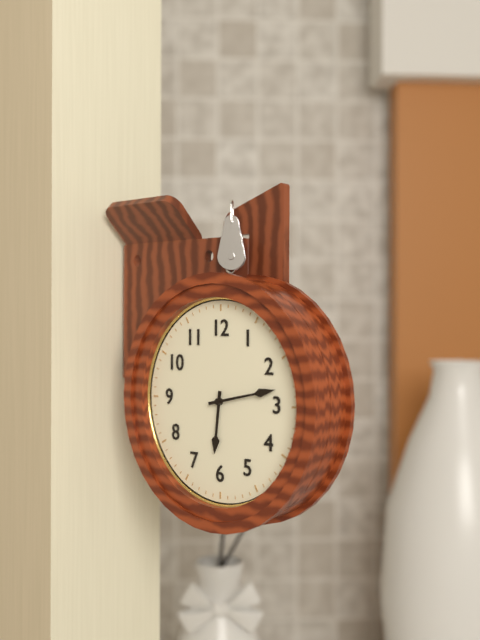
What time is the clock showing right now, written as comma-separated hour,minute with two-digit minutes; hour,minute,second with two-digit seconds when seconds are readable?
6,13
